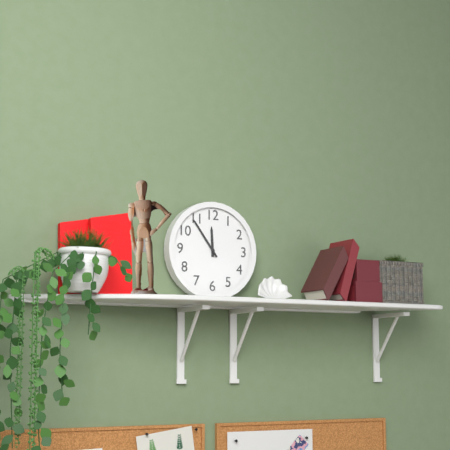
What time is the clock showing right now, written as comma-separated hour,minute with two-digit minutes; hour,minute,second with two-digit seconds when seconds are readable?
11,54
